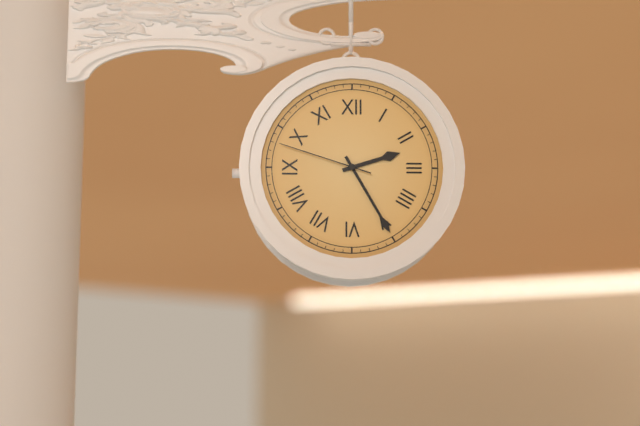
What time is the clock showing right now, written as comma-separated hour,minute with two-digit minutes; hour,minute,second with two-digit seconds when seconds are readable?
2,25,48
